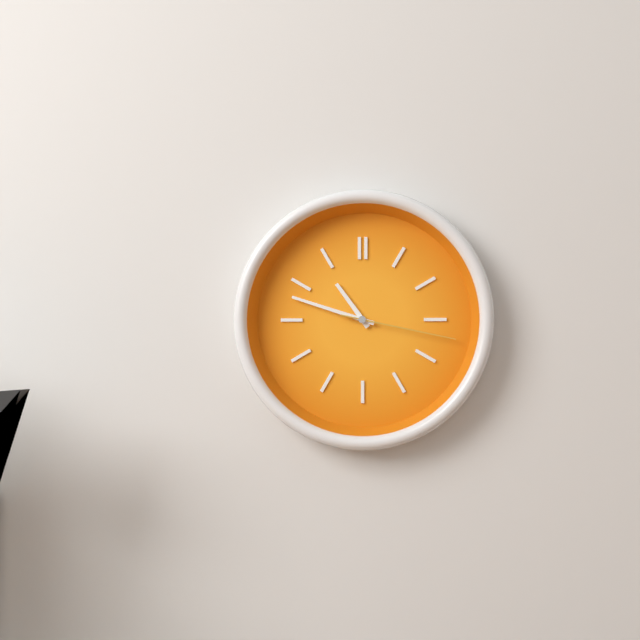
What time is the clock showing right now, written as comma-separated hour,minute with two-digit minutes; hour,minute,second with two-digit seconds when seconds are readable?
10,48,17
